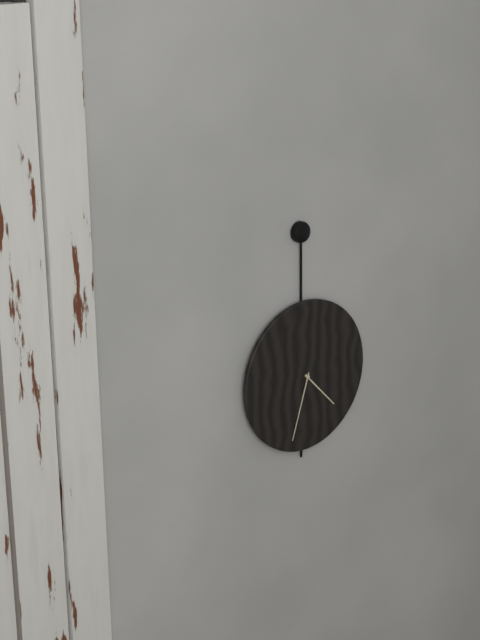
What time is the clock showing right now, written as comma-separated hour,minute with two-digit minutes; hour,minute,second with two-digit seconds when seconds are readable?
4,33
